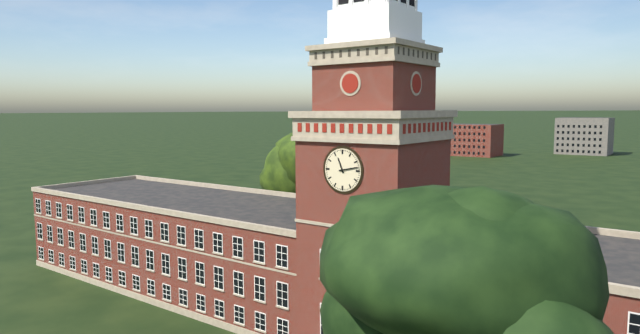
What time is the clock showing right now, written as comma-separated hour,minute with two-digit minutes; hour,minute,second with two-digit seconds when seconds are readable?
11,13
